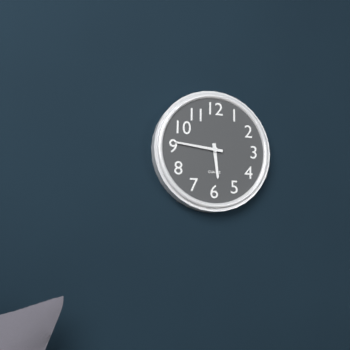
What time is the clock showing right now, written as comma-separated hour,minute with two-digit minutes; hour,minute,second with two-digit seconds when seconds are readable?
5,46
